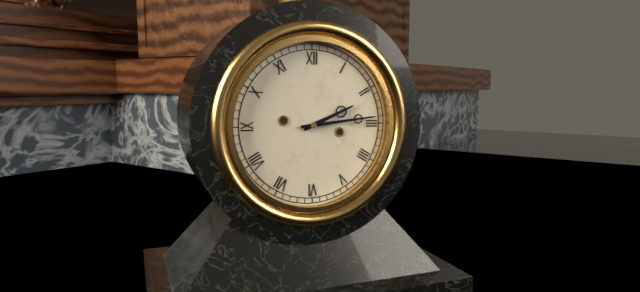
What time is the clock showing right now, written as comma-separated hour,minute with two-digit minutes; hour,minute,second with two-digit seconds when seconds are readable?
2,14
